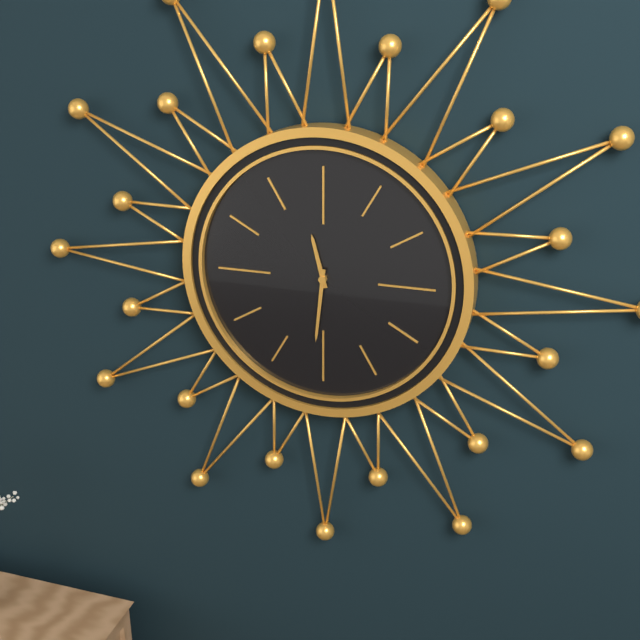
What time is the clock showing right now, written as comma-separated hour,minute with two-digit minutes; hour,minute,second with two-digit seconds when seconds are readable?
11,31
